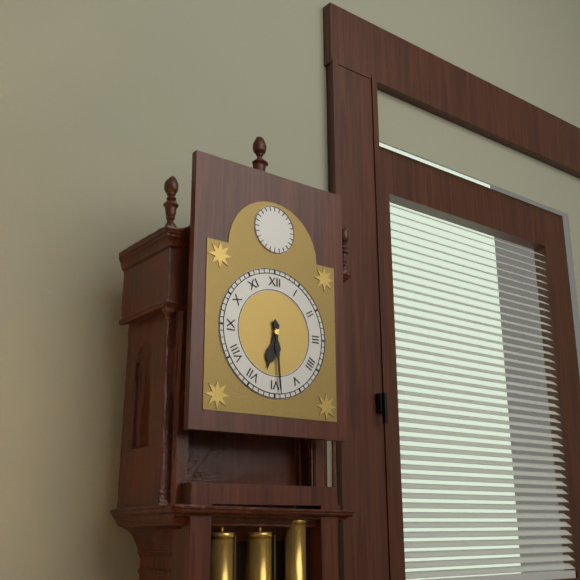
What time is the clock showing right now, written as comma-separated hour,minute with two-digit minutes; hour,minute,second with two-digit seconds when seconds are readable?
6,29
